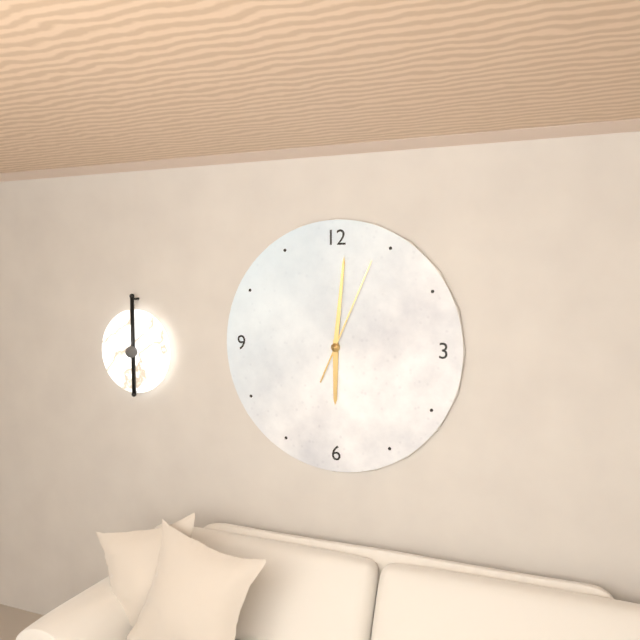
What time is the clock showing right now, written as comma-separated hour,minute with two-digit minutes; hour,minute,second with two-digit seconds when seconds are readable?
6,01,04
